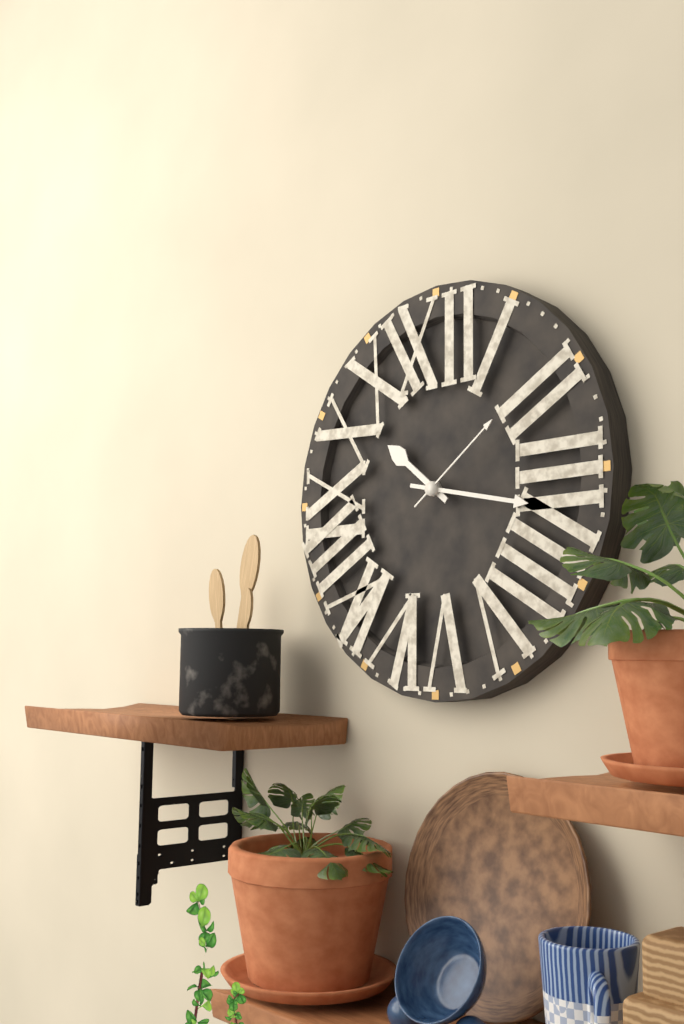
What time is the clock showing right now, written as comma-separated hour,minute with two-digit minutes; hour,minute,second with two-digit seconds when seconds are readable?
10,17,09
